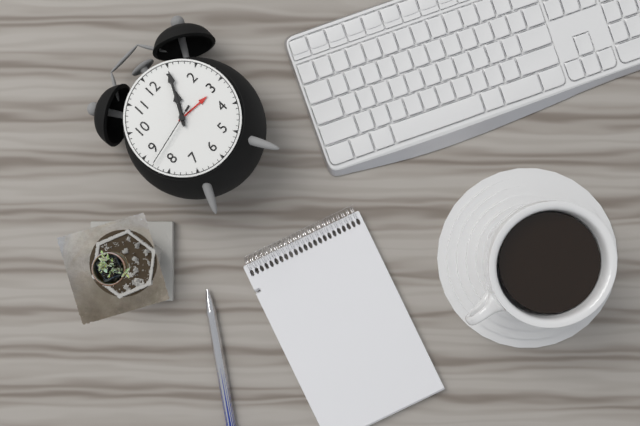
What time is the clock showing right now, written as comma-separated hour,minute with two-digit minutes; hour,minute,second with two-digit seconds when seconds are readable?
1,05,43
